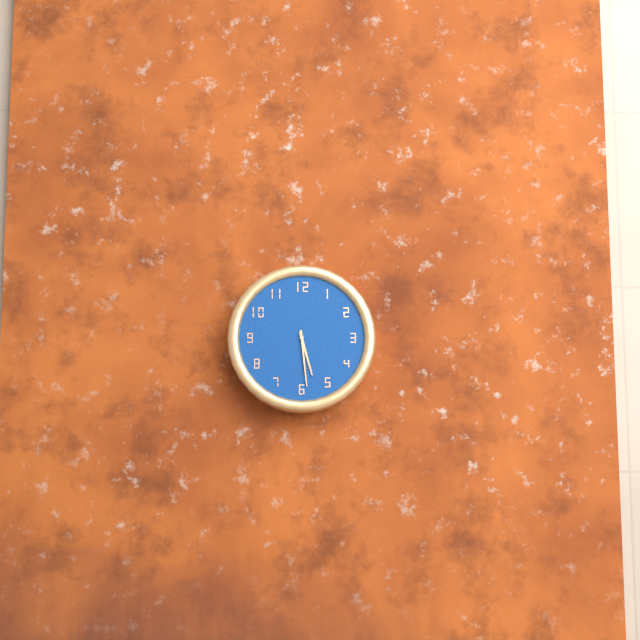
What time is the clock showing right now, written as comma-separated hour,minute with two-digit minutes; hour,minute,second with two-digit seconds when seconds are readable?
5,29
